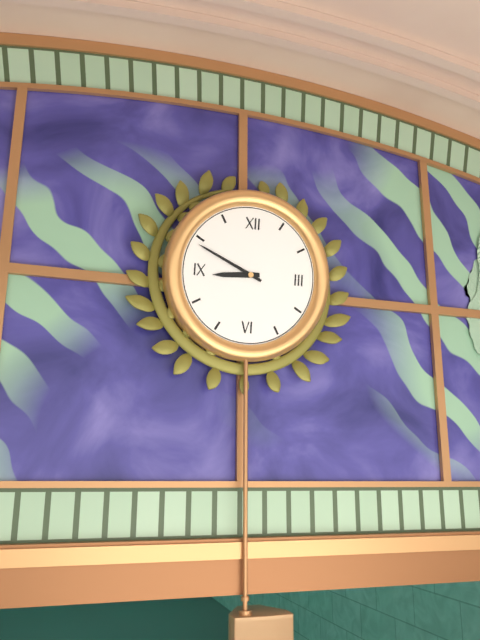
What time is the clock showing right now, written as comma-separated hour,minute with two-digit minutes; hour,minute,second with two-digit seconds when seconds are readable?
8,49
